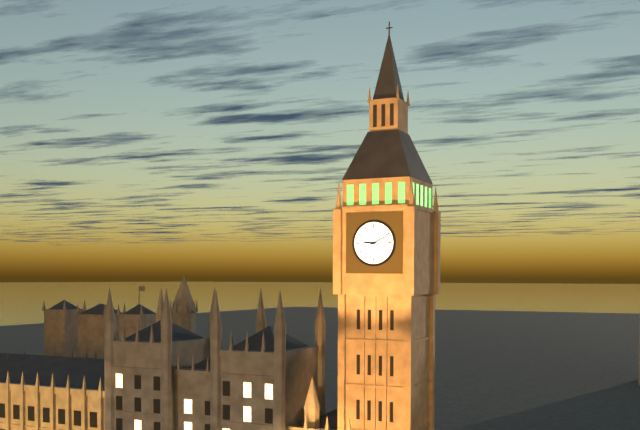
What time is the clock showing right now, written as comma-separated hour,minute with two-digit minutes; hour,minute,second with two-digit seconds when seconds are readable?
9,11
